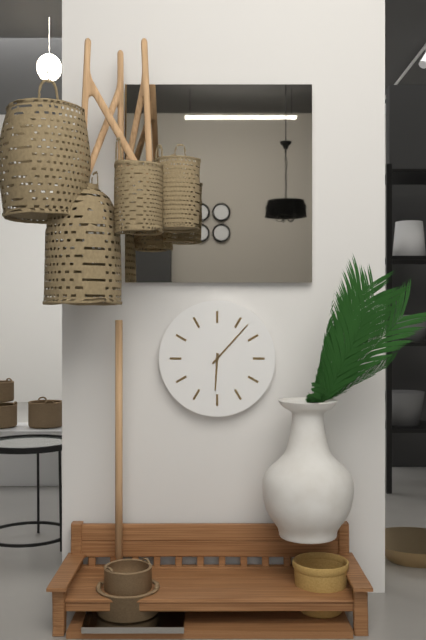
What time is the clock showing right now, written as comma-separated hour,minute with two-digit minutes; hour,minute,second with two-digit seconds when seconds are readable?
6,07
